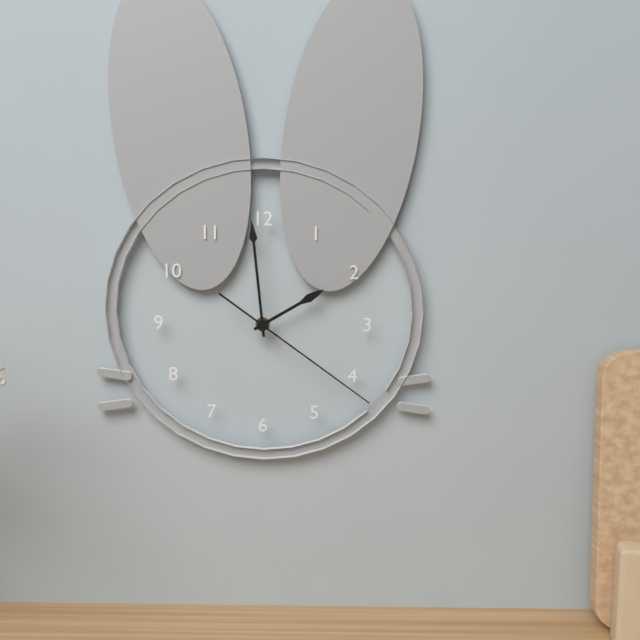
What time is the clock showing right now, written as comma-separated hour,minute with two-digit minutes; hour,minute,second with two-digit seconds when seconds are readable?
1,59,21
